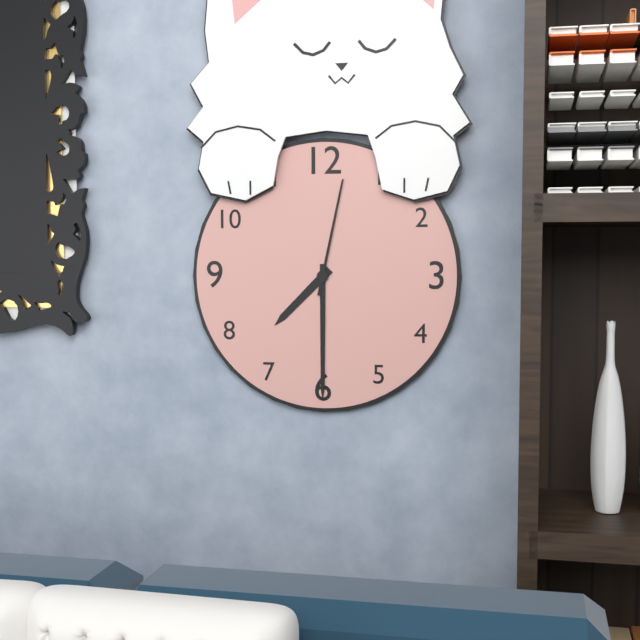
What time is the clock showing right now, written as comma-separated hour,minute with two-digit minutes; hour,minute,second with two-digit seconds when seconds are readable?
7,30,02
